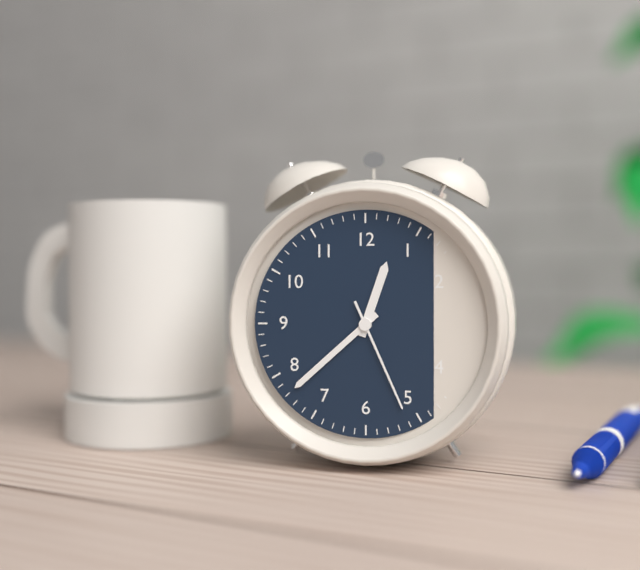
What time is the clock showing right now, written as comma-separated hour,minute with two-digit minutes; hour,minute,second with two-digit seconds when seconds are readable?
12,38,26
